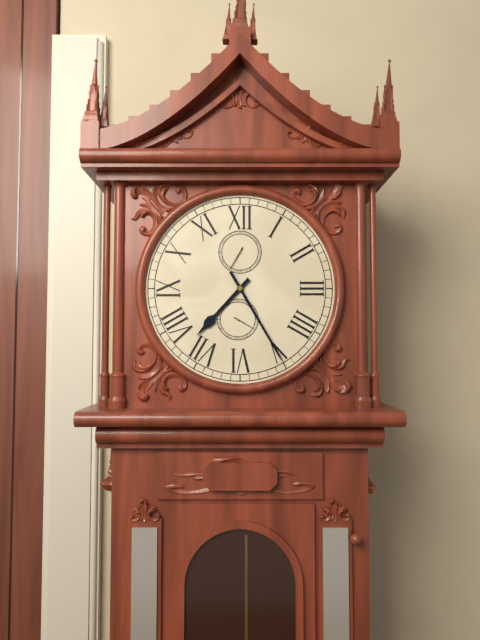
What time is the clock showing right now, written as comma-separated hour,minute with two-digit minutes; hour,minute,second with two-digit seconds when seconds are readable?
7,25
